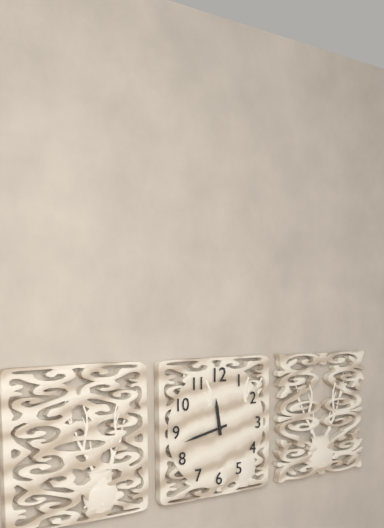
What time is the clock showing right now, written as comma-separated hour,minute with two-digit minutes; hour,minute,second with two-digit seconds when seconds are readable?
11,43
